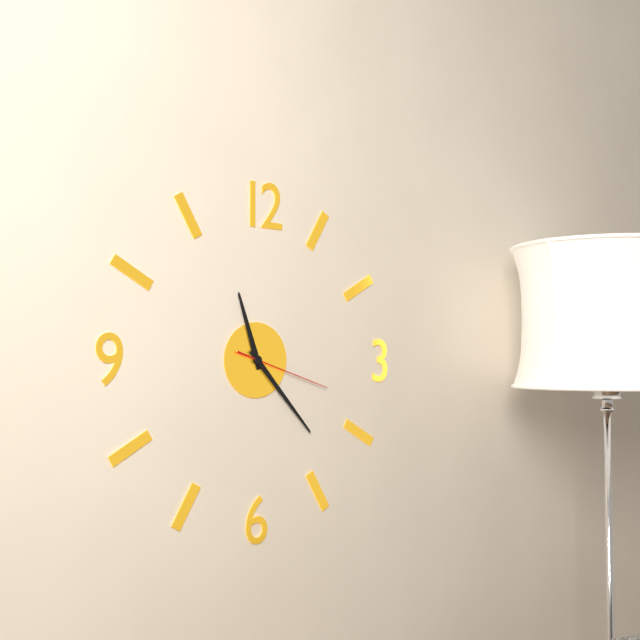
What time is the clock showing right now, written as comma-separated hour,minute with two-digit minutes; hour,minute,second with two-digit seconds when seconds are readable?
11,23,18
